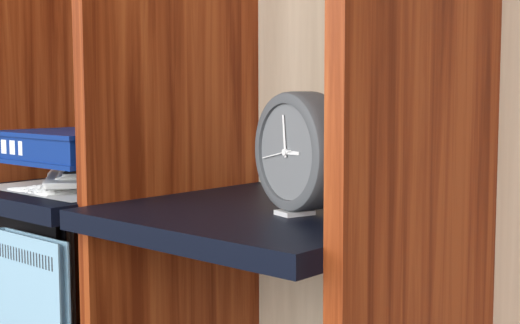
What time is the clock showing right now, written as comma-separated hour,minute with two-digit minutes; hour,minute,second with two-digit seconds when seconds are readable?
2,59
